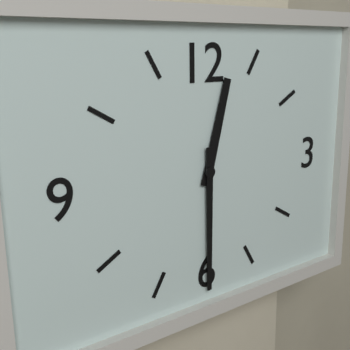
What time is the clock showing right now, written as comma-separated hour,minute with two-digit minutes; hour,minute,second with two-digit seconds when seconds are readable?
12,30
